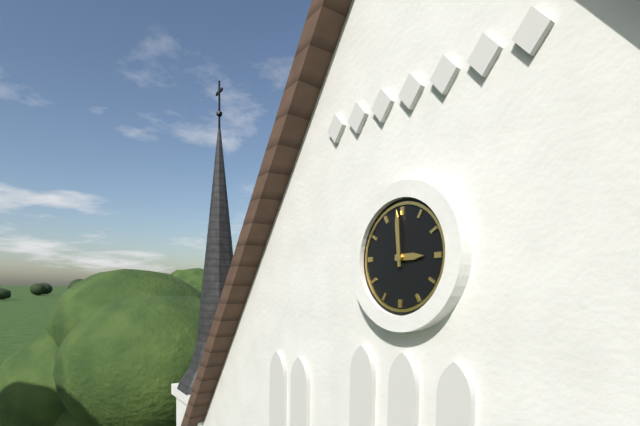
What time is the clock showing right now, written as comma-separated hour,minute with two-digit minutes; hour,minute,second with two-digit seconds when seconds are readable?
2,59
